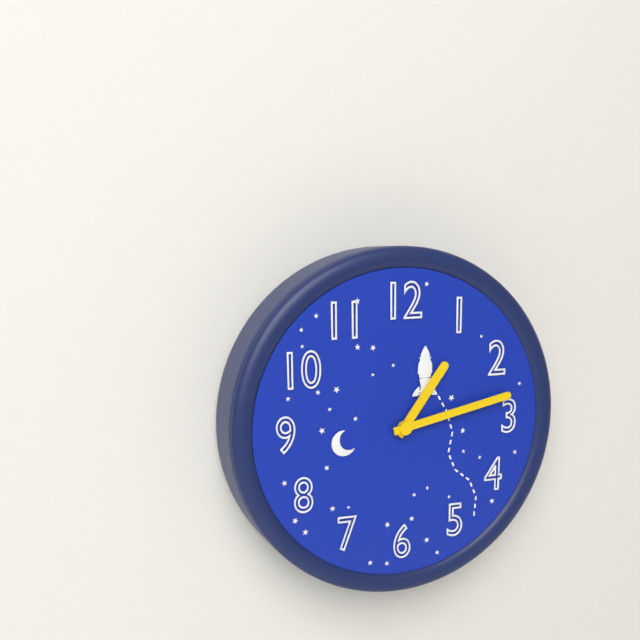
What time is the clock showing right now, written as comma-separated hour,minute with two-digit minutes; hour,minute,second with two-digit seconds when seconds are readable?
1,13
